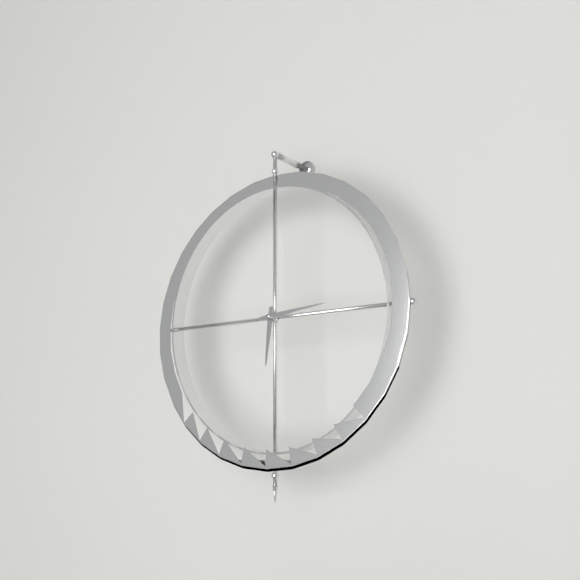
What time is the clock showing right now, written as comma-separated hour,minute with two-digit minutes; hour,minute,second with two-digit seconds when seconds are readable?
6,14
